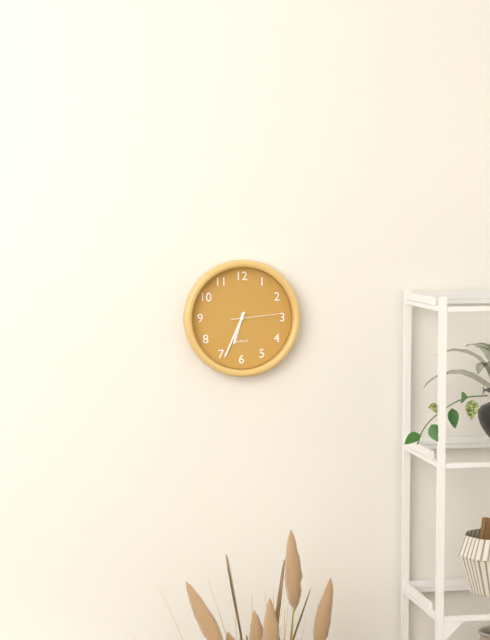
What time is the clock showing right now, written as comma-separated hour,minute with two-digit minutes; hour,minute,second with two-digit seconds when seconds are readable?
6,34,14
